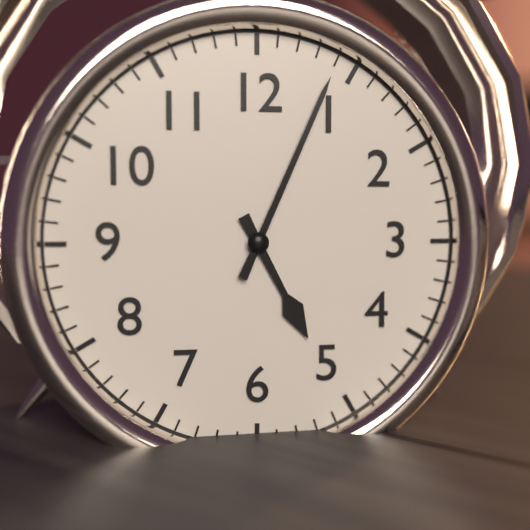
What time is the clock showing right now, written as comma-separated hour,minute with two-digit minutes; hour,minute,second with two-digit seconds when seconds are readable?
5,04
